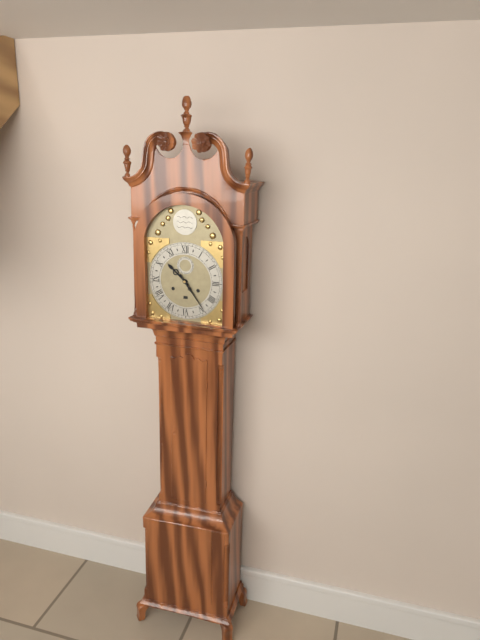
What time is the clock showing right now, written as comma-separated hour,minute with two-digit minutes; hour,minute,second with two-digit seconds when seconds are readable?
10,24
